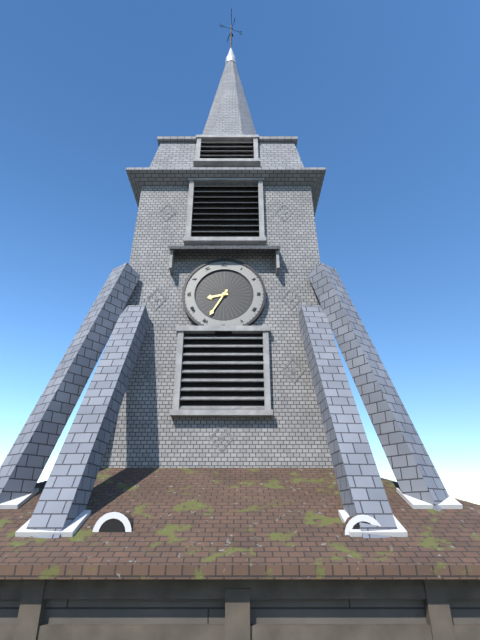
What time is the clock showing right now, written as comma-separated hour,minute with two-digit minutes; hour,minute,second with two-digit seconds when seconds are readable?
8,35
